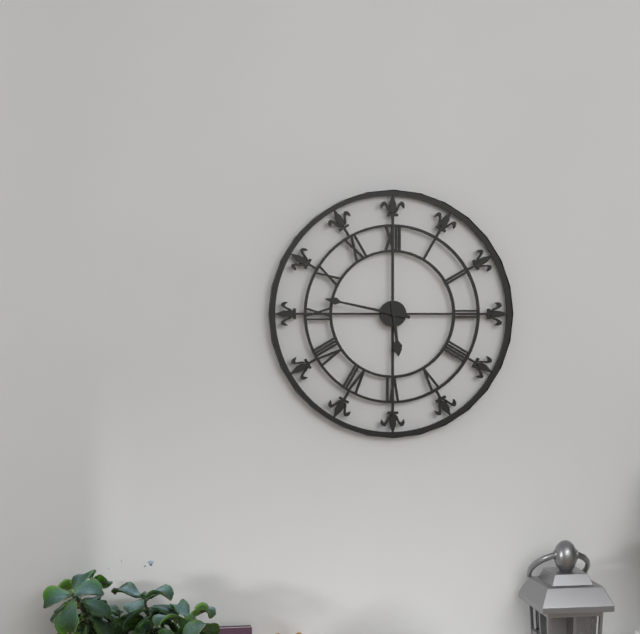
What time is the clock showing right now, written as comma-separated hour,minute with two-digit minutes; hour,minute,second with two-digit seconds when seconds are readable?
5,47
